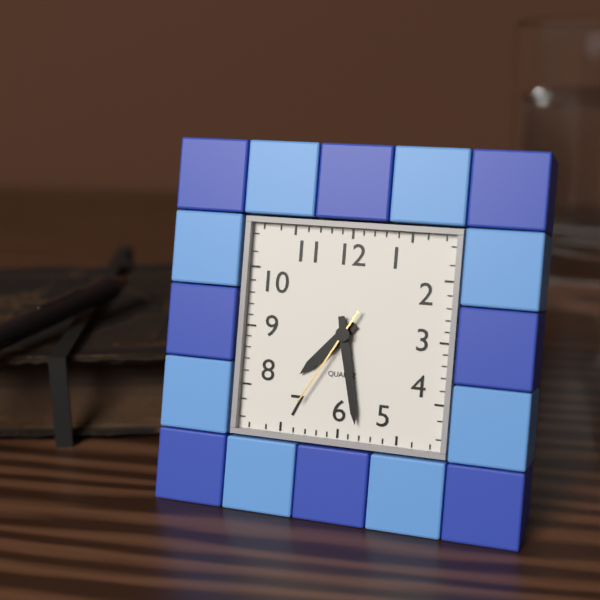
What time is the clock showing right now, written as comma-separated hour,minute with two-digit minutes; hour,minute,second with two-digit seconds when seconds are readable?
7,28,35
